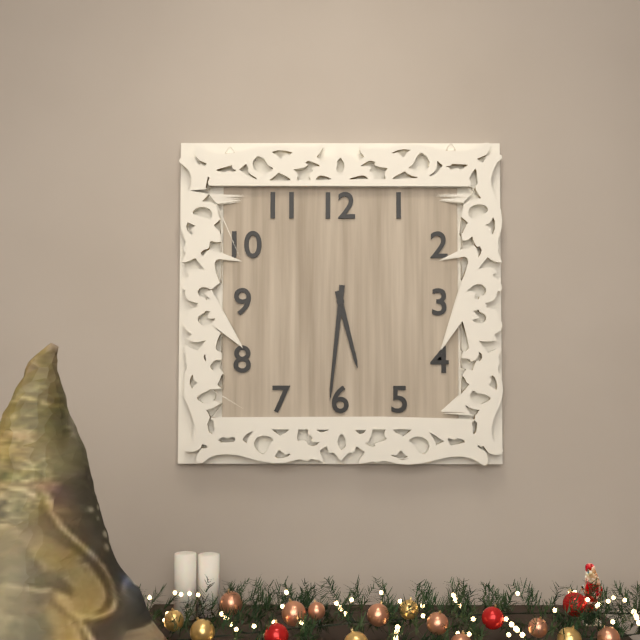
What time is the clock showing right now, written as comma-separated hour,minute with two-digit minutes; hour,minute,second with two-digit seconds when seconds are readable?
5,31
